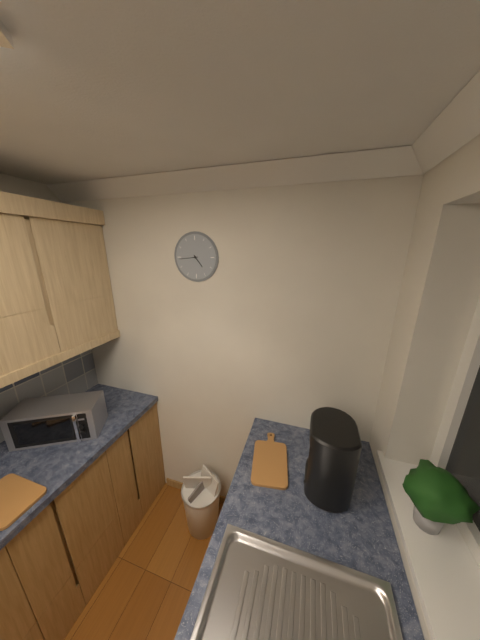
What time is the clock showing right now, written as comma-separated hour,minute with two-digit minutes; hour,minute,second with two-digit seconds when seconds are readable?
4,44
